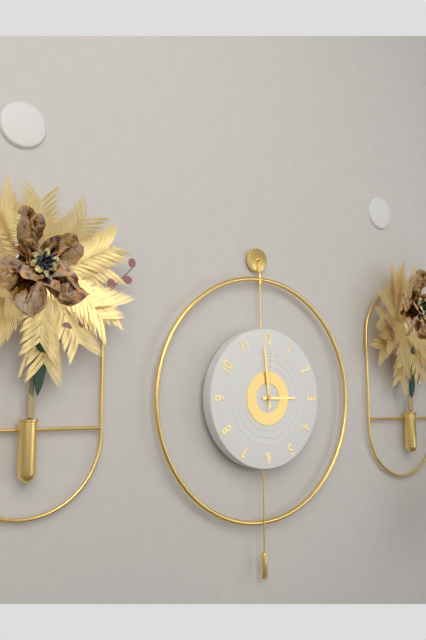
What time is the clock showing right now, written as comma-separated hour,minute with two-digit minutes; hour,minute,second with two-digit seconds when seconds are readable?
2,59,01
